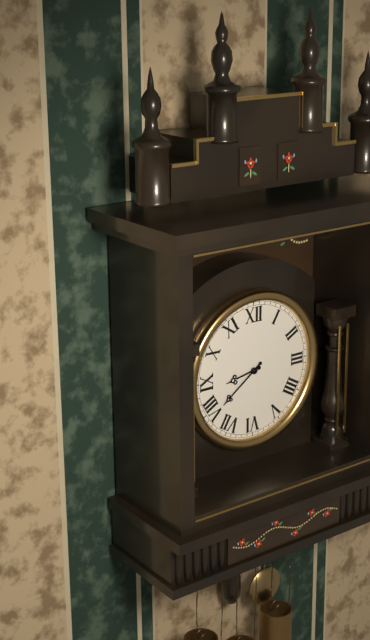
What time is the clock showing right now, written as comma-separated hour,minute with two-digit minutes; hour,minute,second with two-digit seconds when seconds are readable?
8,39
